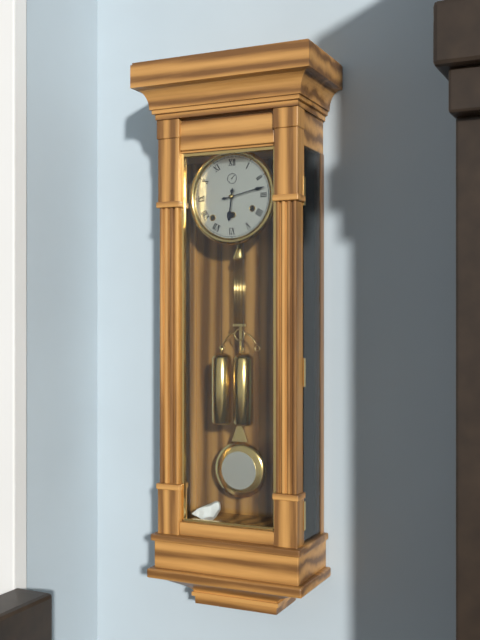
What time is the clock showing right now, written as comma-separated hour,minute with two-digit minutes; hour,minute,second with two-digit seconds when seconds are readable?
6,13
